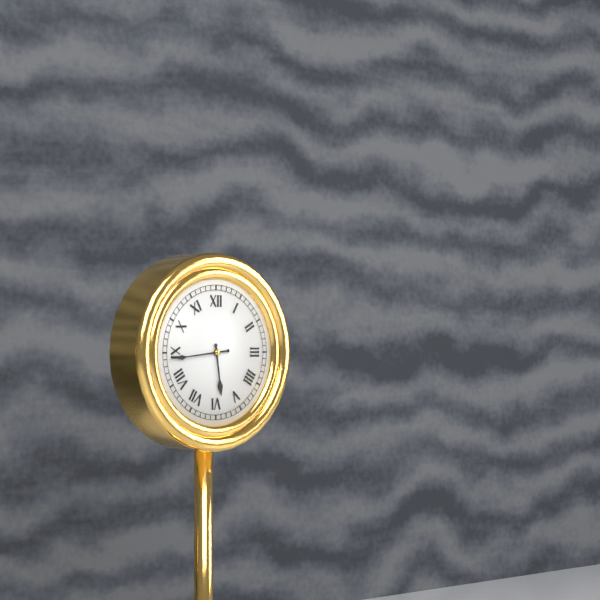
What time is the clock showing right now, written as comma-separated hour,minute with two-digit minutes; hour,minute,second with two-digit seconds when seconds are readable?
5,44
